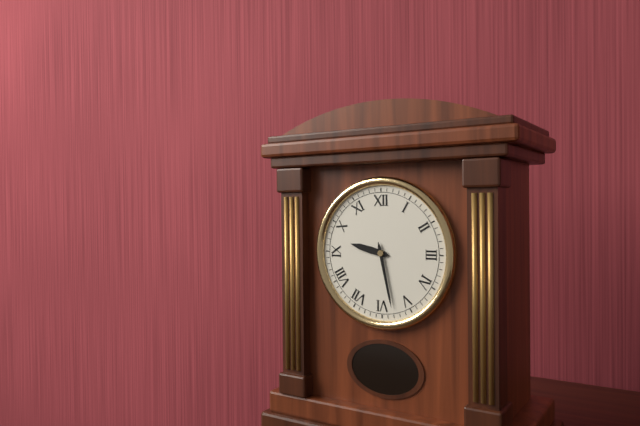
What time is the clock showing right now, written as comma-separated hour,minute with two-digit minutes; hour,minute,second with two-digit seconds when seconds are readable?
9,28
